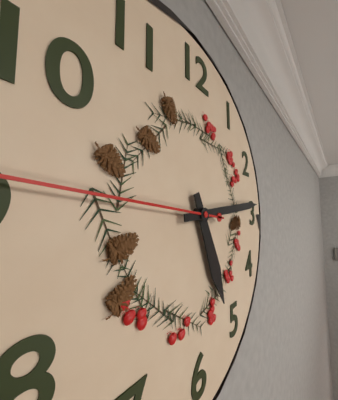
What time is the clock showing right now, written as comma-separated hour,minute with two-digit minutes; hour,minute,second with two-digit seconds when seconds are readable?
5,14
